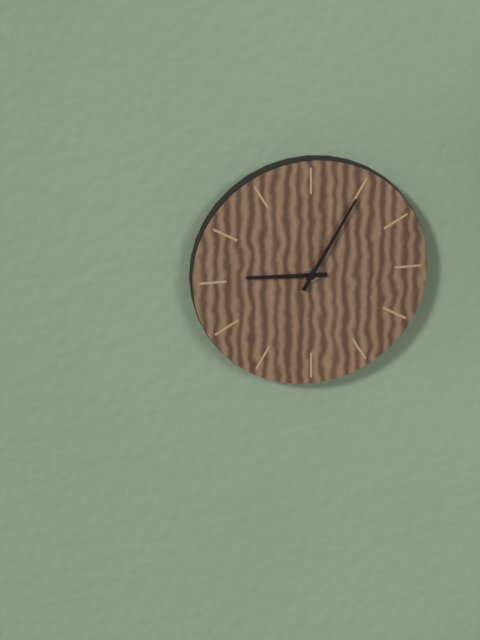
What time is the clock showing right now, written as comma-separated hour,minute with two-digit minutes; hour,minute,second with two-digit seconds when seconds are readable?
9,05
